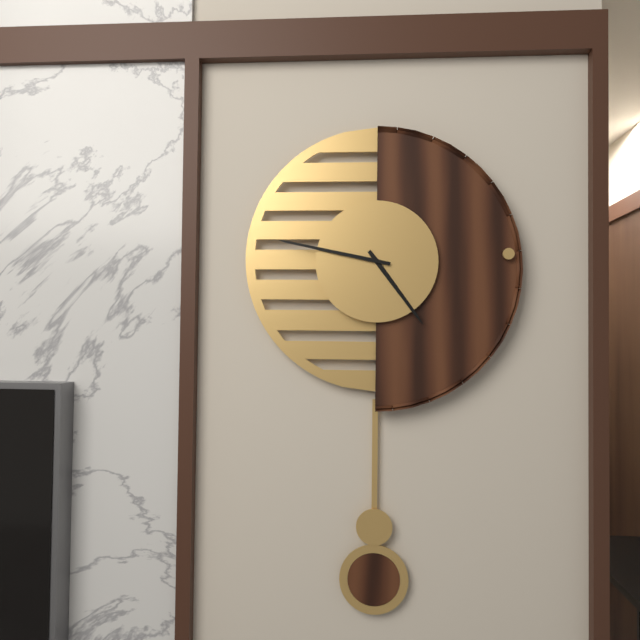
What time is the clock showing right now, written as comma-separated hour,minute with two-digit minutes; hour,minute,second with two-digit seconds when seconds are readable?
4,47
